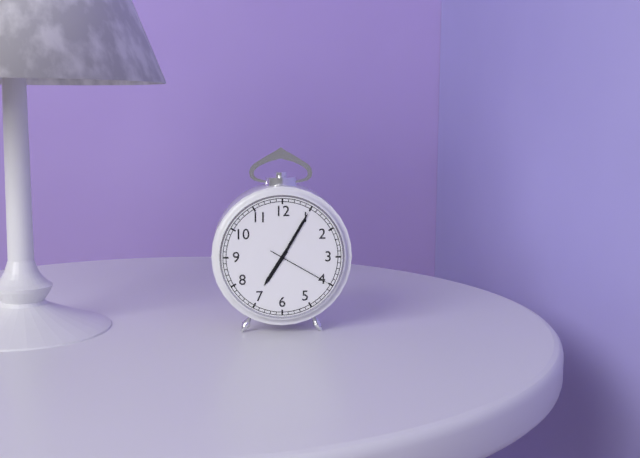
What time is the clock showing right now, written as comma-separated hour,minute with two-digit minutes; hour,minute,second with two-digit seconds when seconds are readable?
7,05,20
